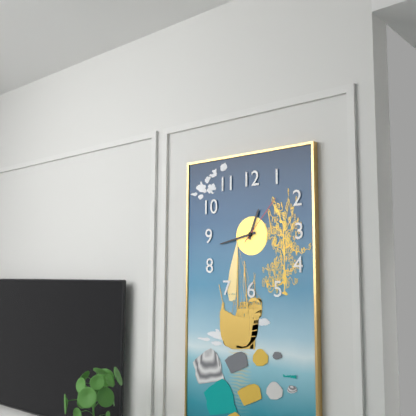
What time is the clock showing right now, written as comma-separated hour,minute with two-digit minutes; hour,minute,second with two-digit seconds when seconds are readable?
12,43,07
